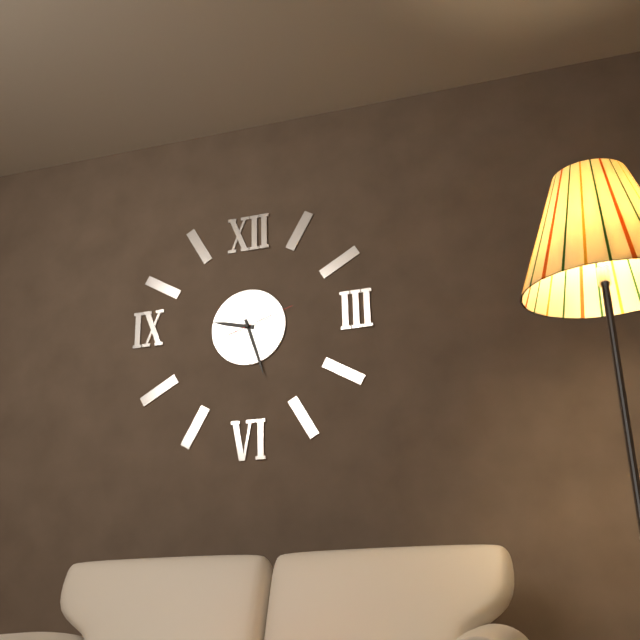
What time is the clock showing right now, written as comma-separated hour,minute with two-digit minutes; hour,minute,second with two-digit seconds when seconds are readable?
9,27,12
